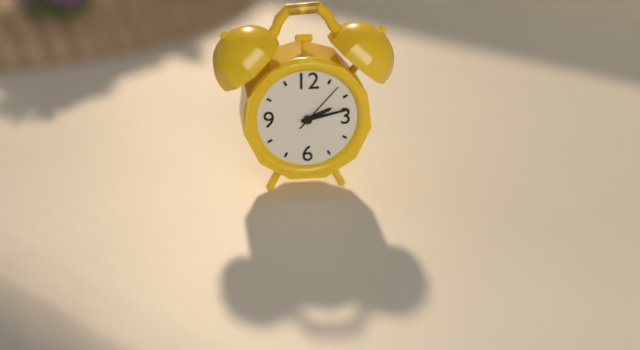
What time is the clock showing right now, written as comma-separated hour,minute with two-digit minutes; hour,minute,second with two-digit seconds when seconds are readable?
2,13,07
